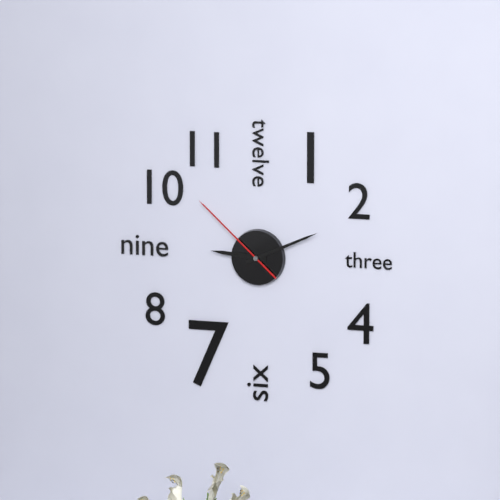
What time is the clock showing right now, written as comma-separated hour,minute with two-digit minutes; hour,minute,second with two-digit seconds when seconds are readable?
9,11,52
